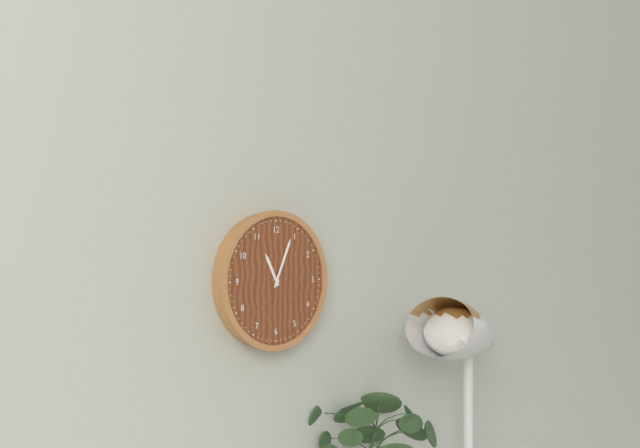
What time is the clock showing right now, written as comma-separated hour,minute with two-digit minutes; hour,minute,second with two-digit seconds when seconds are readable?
11,04
